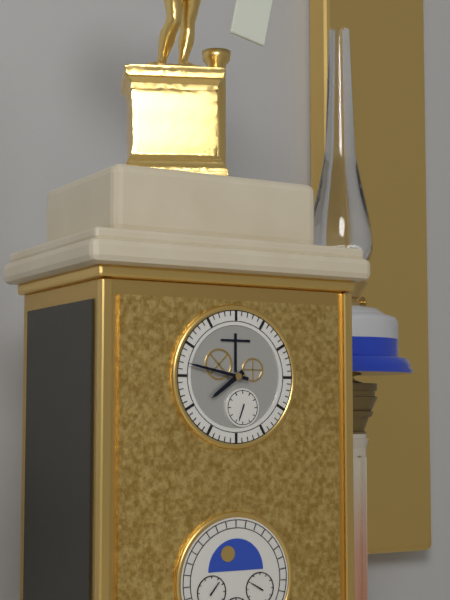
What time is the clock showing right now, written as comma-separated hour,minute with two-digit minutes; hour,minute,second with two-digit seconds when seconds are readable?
7,47
